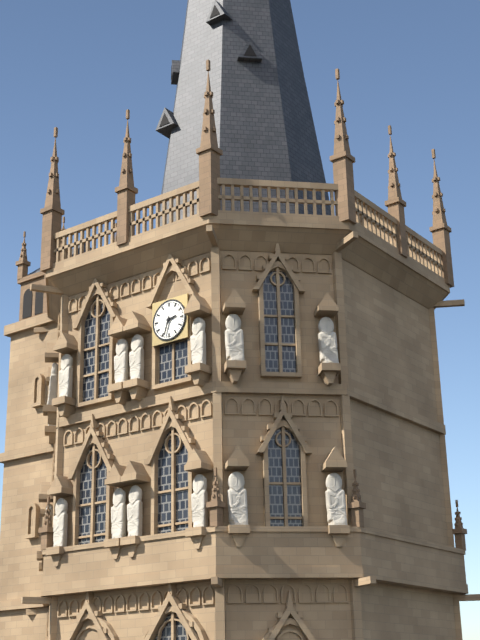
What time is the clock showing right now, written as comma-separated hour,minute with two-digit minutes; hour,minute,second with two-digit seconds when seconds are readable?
2,33
